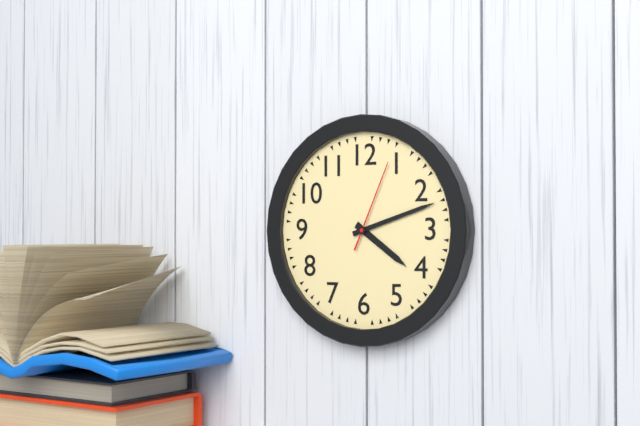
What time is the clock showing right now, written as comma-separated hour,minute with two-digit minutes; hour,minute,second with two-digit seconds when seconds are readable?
4,12,04
